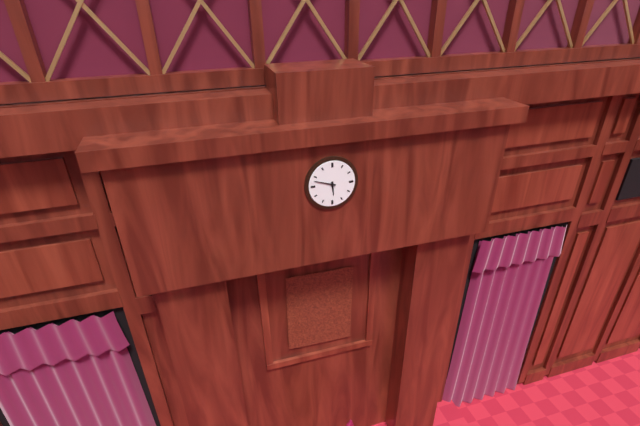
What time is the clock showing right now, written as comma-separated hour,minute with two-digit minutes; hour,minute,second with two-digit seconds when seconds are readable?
5,48
